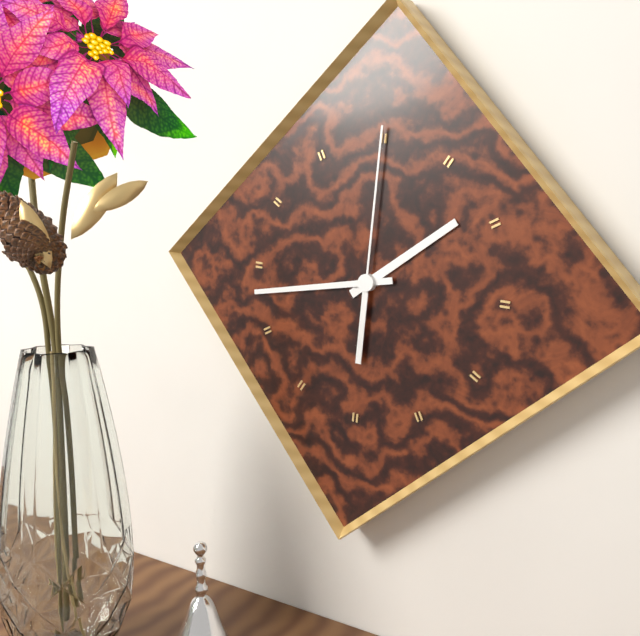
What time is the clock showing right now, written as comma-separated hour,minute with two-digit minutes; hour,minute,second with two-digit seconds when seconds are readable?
1,43,00
